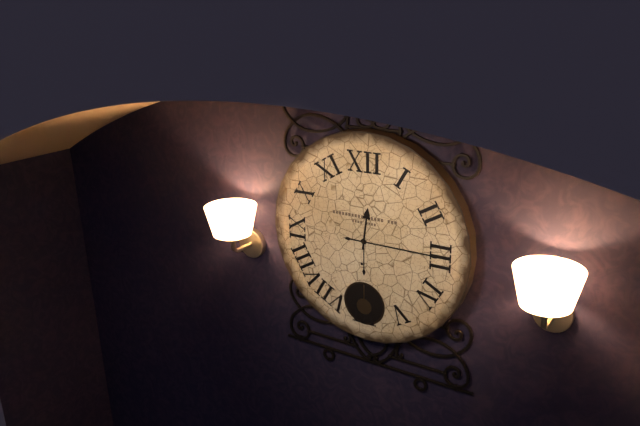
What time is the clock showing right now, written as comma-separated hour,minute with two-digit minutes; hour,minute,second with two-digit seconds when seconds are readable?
12,15
